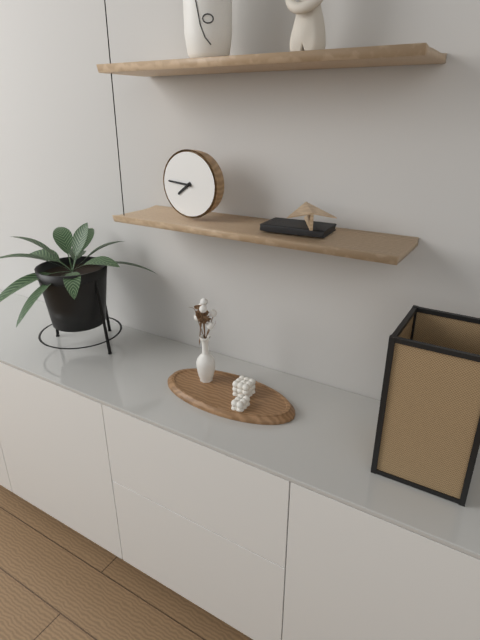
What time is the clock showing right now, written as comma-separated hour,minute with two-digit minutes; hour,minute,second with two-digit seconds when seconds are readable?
7,46
